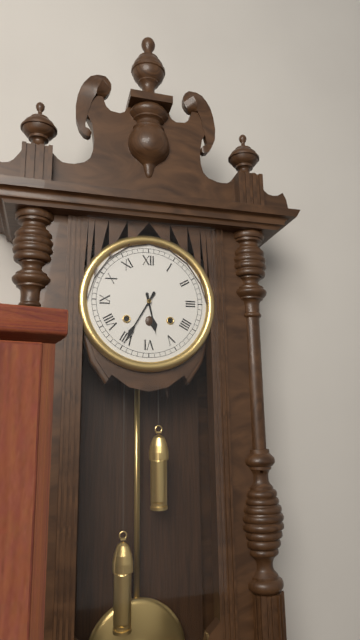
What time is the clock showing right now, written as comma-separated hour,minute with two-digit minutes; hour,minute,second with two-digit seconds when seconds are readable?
5,35
